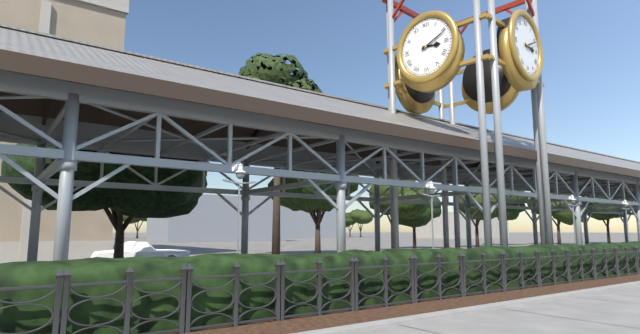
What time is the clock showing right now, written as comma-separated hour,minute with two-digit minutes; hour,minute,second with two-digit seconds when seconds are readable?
3,11
